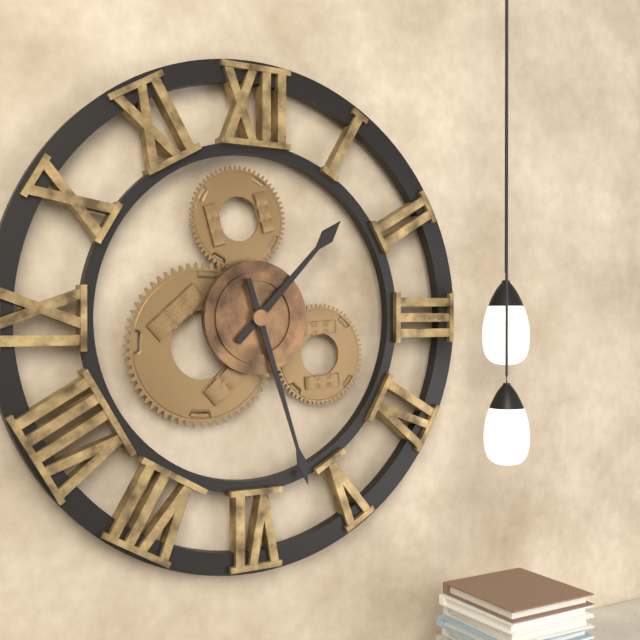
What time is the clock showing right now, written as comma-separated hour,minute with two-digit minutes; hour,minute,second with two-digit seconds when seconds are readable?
1,27
